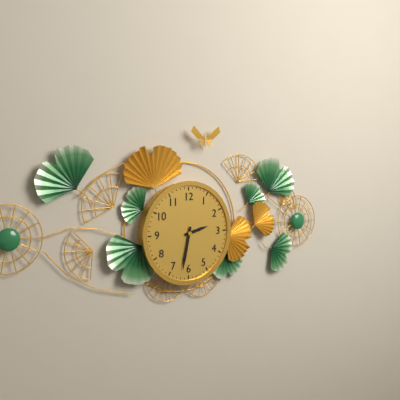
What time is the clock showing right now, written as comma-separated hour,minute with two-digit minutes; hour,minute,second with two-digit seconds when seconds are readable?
2,32
